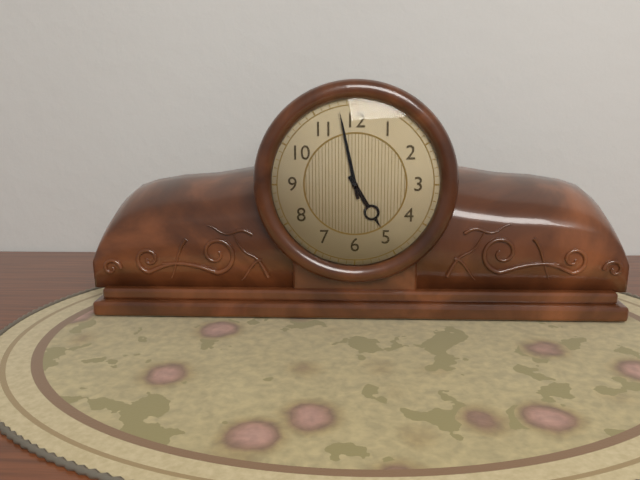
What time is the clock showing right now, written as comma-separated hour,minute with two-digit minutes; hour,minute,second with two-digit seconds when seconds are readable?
4,58
